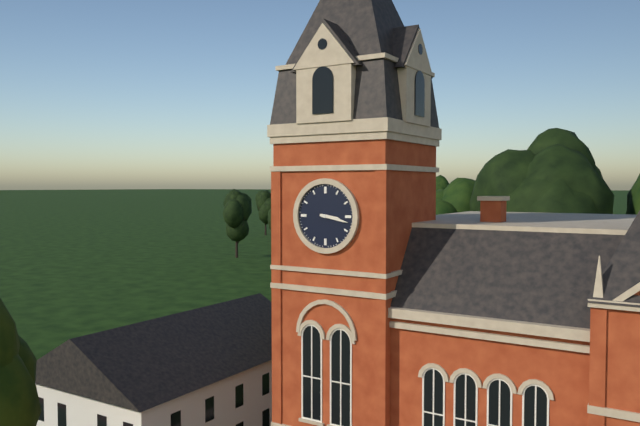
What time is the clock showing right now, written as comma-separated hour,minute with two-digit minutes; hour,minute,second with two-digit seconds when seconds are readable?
3,17
